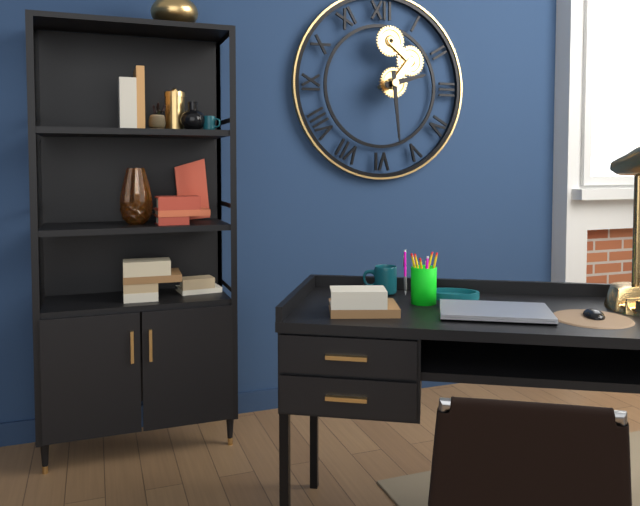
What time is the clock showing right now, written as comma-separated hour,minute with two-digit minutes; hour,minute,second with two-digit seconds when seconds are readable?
2,29
